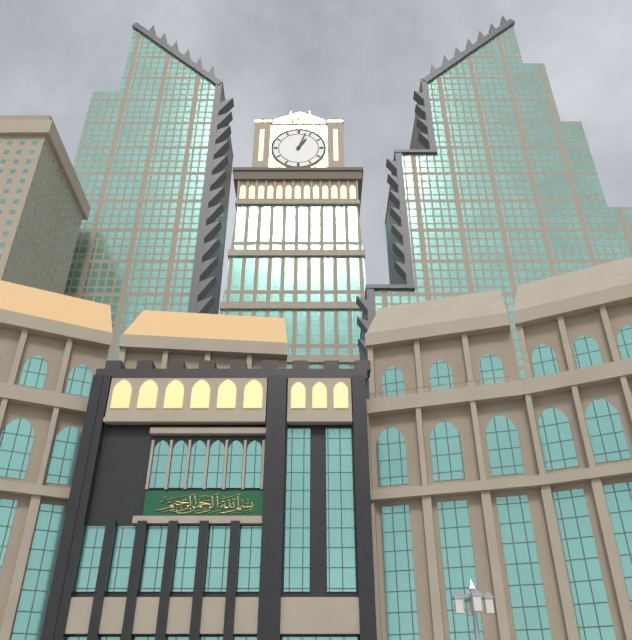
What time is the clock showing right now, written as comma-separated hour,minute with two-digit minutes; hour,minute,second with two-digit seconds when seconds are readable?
1,03
